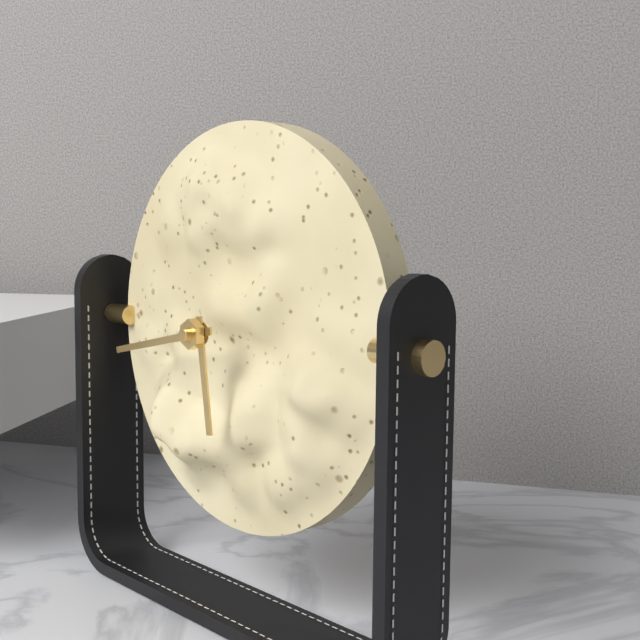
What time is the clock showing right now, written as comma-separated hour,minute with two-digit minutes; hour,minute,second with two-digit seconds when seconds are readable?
5,43
